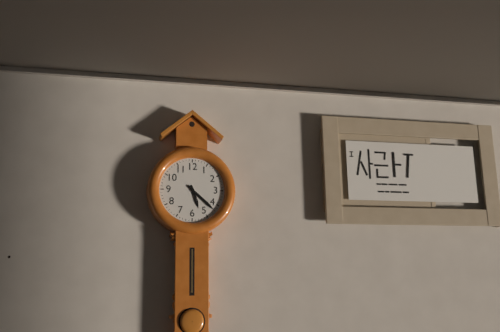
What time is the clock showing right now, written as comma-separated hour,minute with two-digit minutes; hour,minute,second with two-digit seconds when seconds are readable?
5,22
